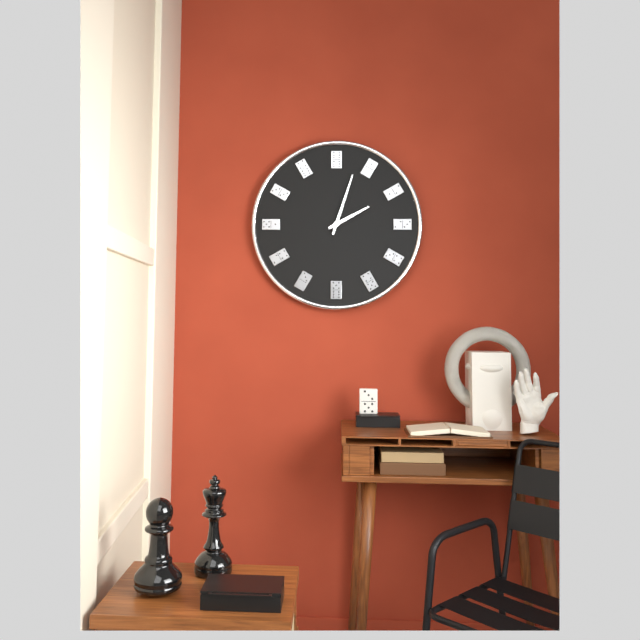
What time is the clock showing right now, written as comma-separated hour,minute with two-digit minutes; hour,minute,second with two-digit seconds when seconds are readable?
2,03
